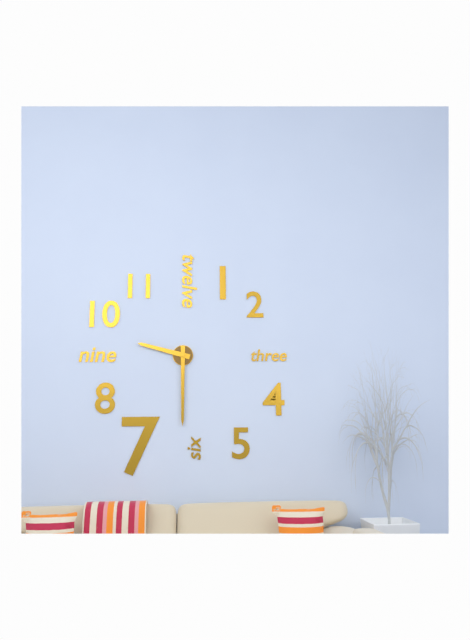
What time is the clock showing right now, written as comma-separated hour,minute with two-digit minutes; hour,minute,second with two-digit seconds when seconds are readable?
9,30
